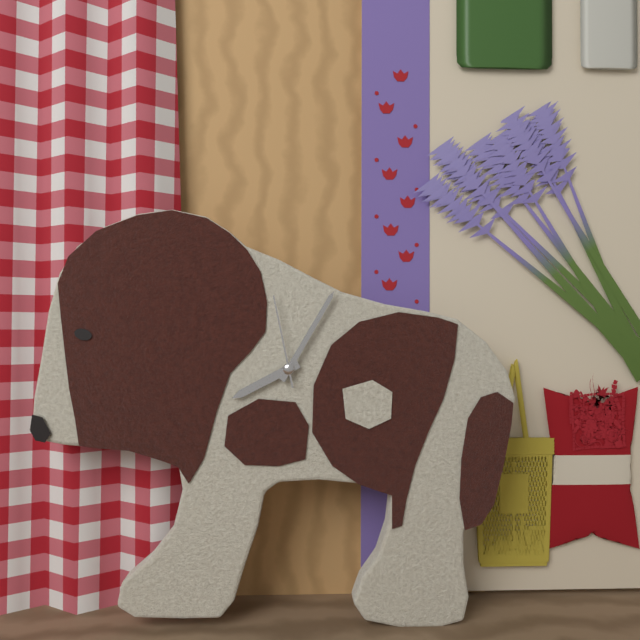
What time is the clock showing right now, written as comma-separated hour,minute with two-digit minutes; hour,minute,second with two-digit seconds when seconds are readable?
8,05,58
